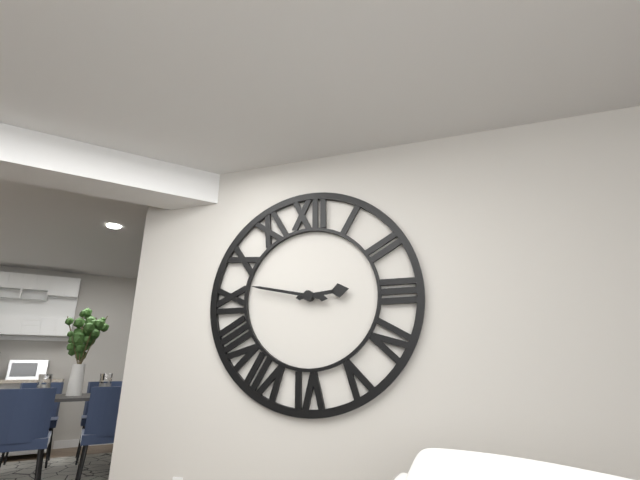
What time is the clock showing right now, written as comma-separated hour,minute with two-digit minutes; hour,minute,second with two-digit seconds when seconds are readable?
2,47
